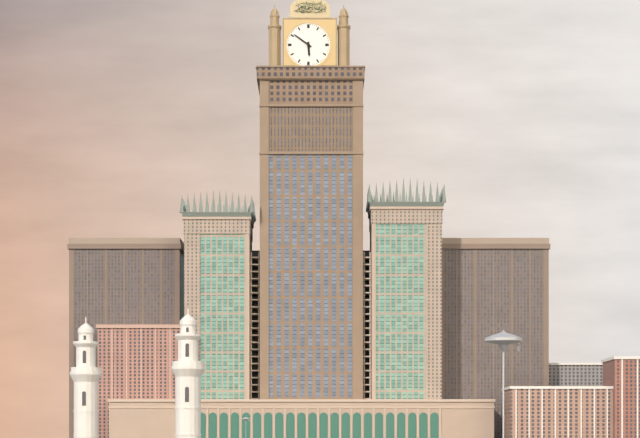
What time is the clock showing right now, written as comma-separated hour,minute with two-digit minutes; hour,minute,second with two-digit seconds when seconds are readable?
5,51
